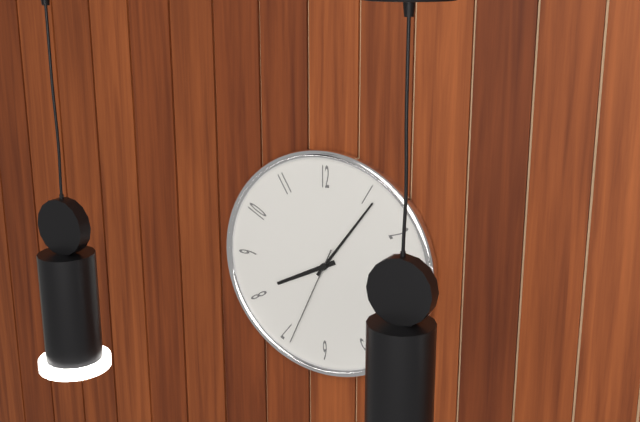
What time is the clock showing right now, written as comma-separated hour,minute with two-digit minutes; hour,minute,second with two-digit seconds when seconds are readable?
8,06,34
